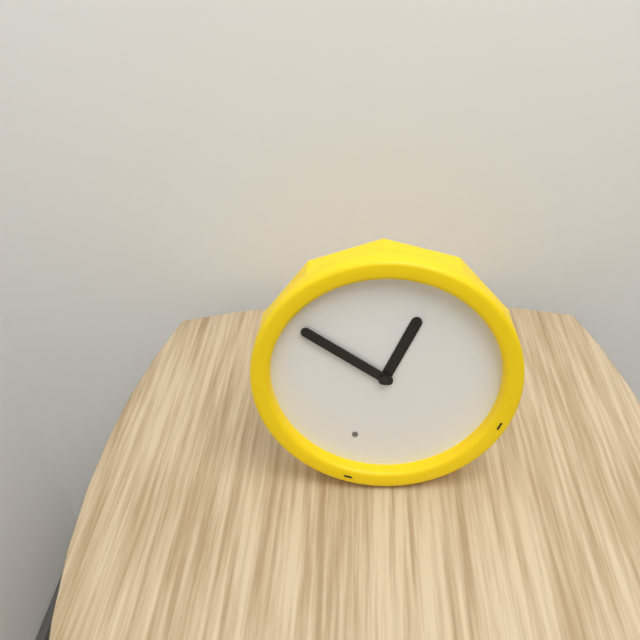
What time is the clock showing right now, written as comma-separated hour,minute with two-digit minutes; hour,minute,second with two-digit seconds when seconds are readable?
12,51
